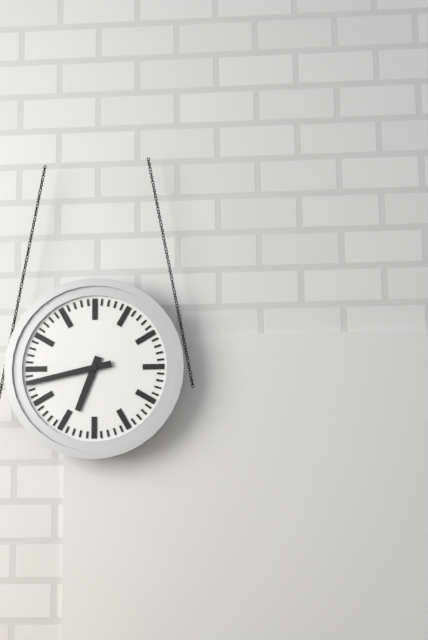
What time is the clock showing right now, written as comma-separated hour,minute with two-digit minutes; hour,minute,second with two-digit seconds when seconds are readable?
6,43
